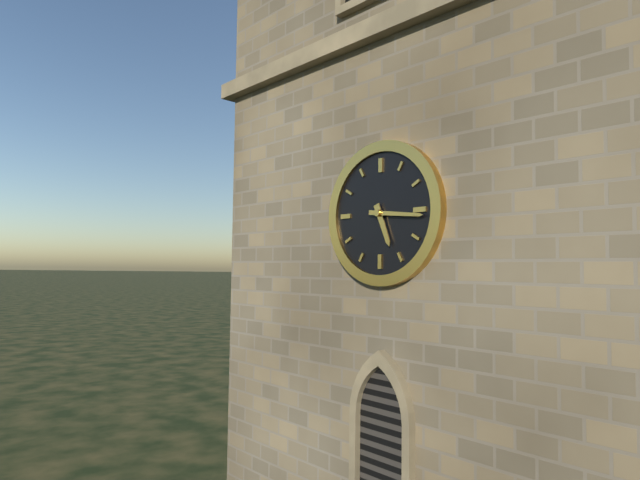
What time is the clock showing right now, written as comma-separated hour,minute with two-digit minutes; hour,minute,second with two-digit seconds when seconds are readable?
5,16
